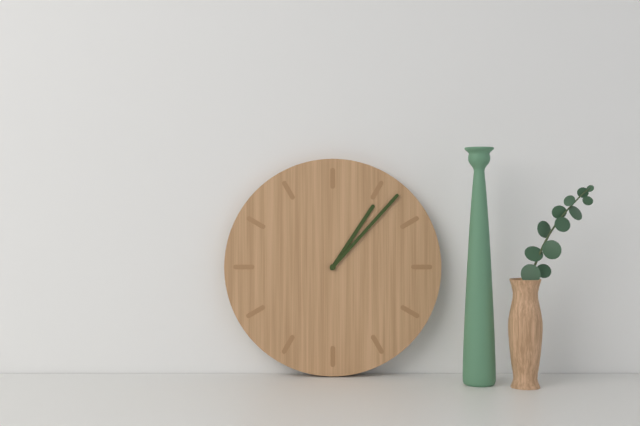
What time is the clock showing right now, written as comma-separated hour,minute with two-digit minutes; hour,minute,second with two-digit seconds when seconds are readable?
1,07
